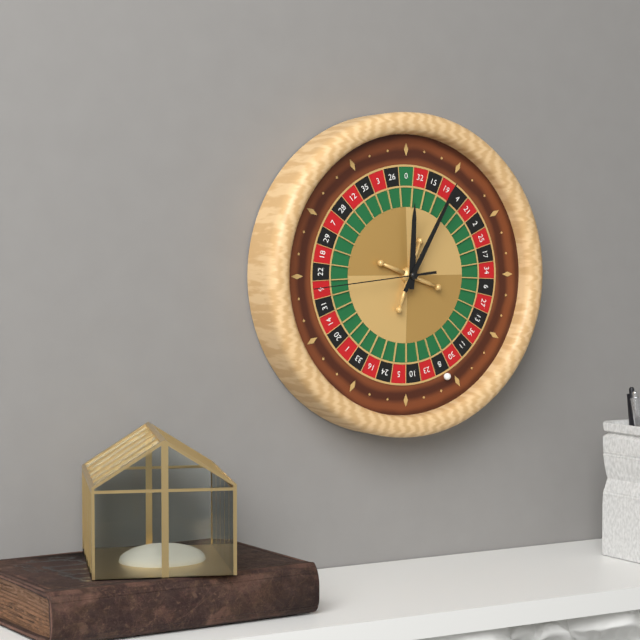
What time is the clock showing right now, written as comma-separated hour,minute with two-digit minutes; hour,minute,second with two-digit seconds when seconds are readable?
12,05,44
